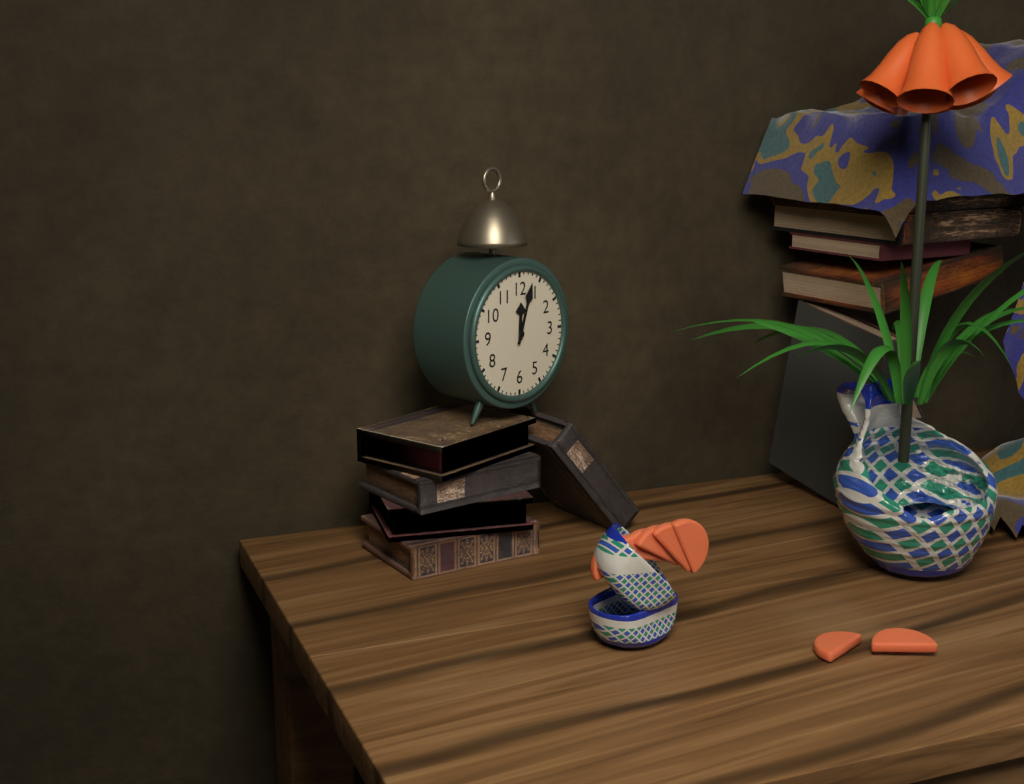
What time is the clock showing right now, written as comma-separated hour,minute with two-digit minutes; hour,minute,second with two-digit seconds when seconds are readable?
12,03
